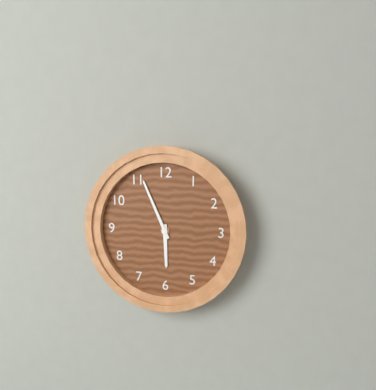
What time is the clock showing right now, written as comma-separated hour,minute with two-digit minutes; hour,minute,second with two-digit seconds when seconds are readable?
5,56
